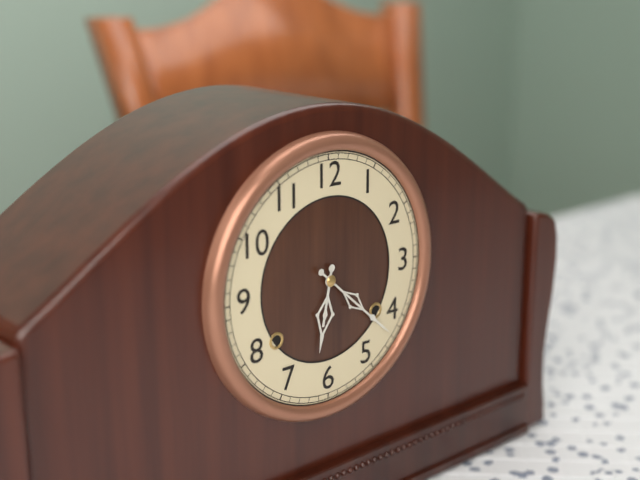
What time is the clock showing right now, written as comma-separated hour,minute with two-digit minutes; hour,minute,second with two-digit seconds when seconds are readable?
6,22
